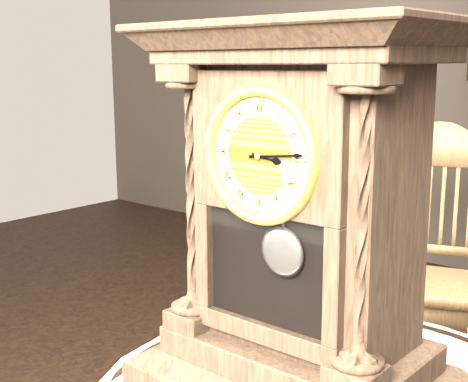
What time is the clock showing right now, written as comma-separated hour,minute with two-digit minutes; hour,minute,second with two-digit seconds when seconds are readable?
3,14
